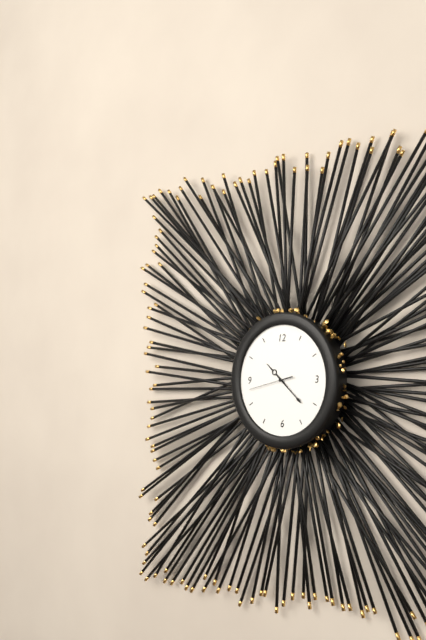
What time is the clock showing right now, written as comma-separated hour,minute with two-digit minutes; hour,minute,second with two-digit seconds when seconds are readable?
10,22
